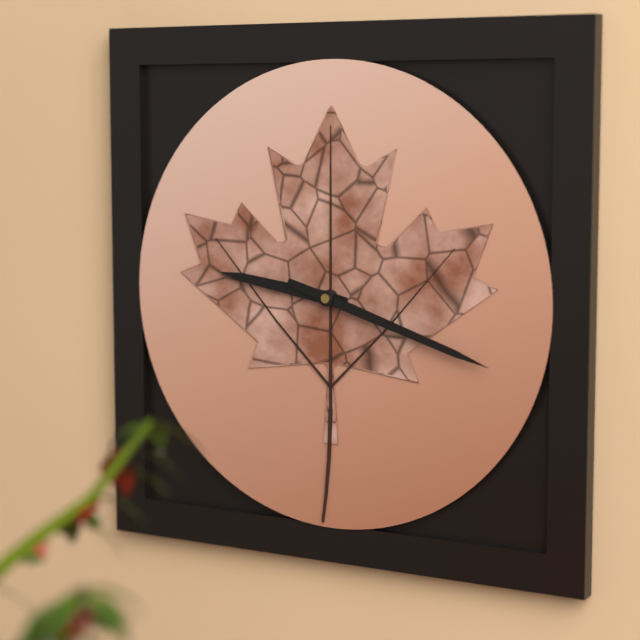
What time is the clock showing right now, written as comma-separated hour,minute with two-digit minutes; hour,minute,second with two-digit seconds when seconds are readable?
9,18
